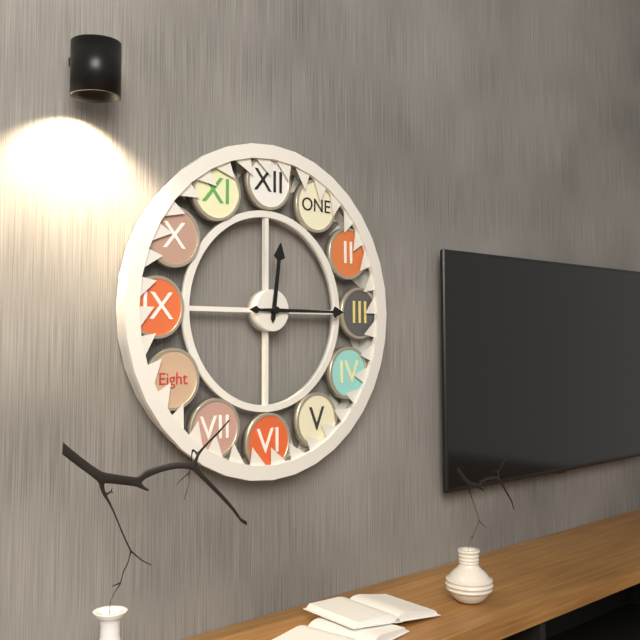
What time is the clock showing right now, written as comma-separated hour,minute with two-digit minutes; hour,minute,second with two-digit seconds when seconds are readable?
12,15
